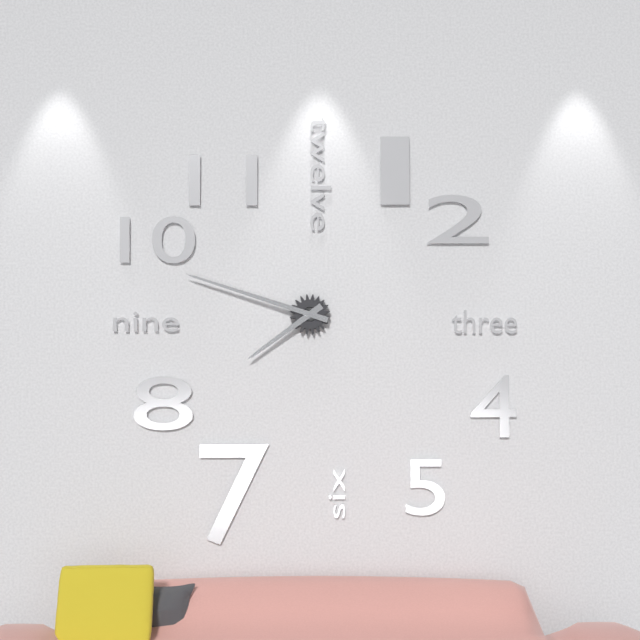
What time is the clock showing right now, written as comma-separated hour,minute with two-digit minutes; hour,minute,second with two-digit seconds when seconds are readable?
7,48
